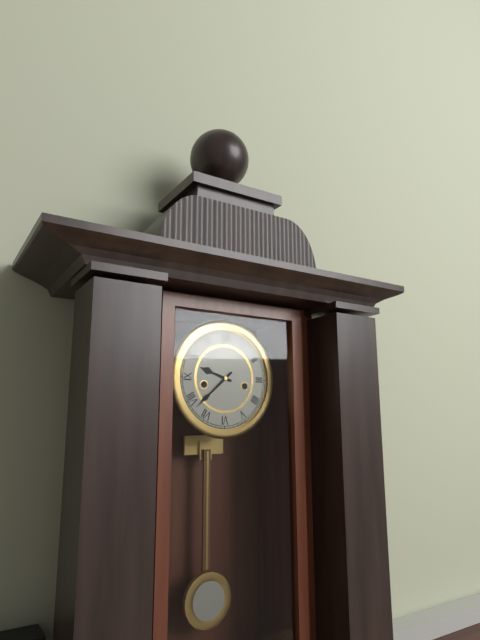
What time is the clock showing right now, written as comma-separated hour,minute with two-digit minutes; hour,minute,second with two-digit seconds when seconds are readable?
9,38
